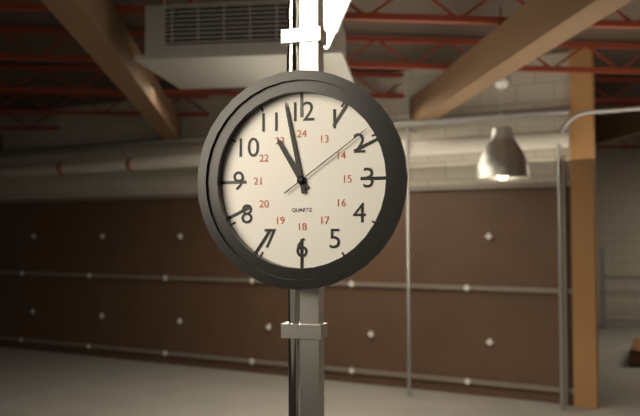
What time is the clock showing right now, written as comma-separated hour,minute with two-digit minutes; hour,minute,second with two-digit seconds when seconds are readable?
10,58,09
